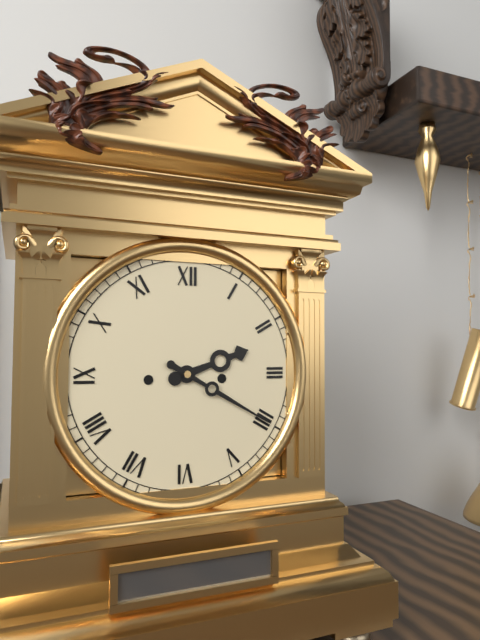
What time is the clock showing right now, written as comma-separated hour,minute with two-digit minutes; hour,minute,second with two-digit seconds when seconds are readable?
2,20
